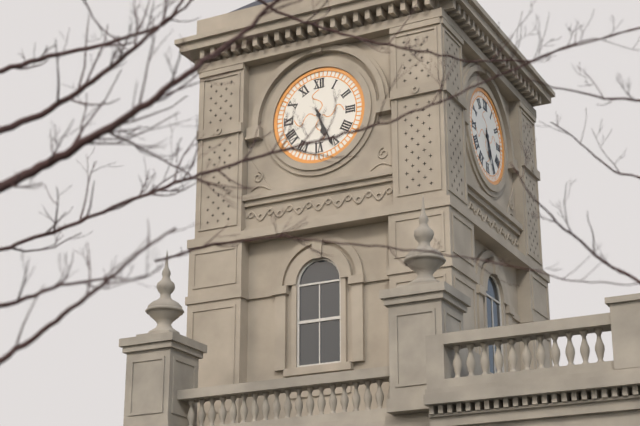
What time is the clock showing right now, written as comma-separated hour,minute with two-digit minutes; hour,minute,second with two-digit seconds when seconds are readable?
5,26
